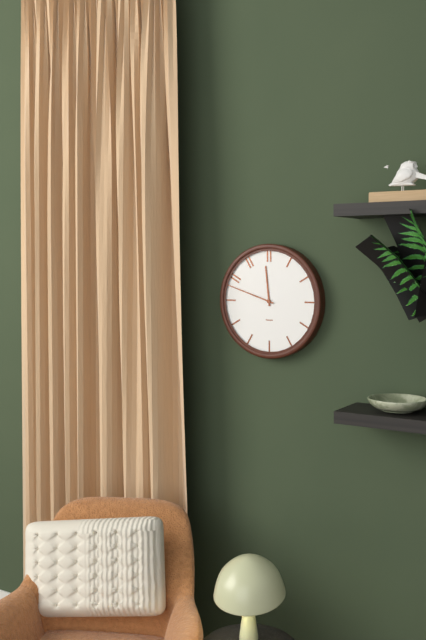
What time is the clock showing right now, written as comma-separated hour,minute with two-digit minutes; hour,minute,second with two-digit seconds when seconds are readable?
11,48
